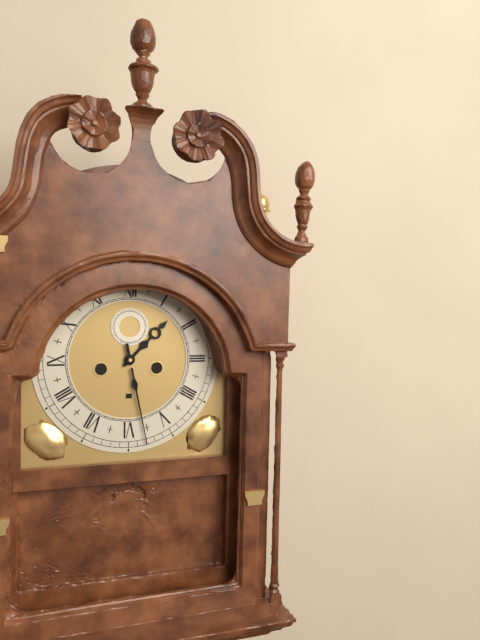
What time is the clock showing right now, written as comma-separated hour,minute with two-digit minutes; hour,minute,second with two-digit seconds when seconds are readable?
1,28
